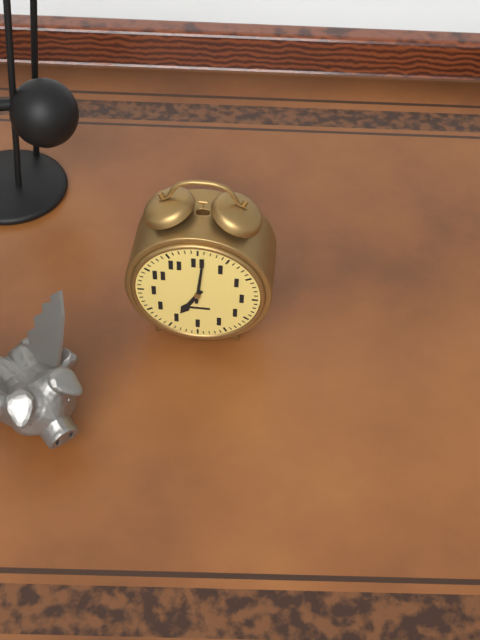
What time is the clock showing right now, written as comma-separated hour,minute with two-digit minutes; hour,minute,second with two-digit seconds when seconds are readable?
7,01
